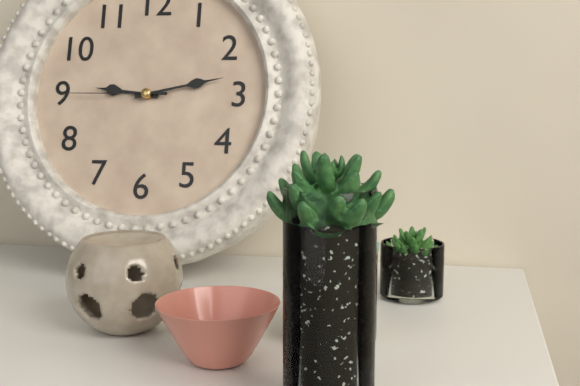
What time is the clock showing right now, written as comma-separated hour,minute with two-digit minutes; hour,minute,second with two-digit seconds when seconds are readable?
9,13,45
